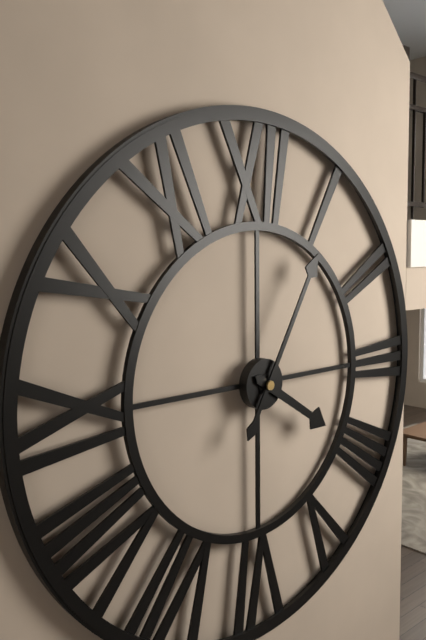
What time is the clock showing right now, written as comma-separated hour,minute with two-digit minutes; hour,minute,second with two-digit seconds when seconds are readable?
4,05
